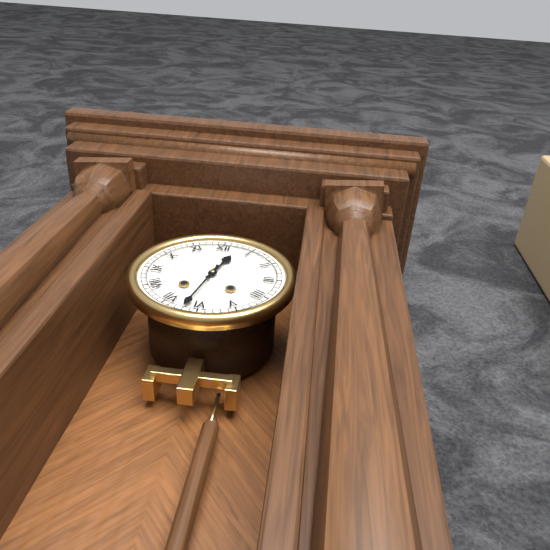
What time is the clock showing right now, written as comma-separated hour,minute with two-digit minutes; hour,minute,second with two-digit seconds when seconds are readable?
12,32
